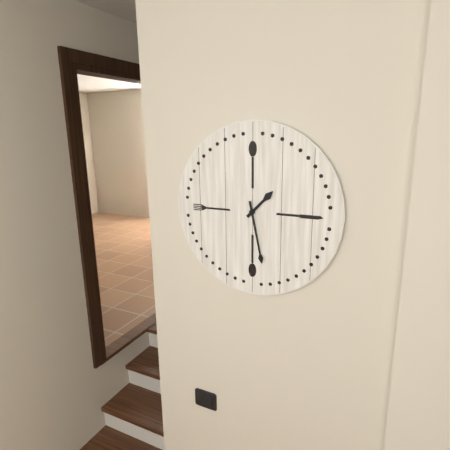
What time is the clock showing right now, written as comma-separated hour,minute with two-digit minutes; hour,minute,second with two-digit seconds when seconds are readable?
1,28
